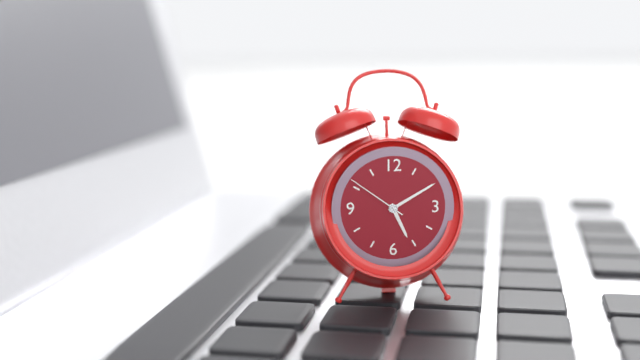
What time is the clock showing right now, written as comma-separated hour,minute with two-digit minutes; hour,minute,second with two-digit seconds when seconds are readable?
5,10,51
